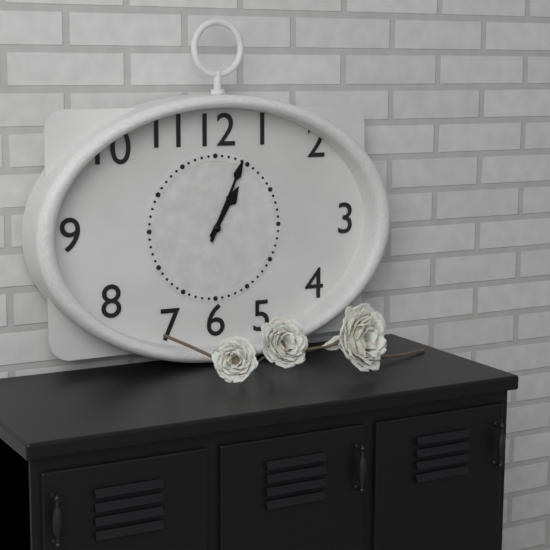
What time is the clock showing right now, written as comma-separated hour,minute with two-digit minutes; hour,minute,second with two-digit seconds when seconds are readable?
1,04
